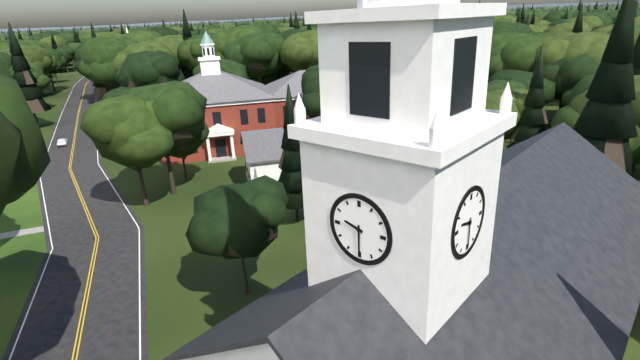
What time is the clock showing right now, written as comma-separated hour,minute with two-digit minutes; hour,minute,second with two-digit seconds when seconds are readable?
9,30
